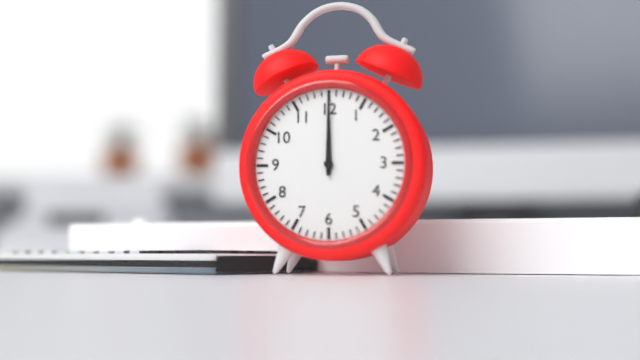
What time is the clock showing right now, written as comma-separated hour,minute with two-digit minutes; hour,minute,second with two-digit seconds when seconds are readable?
12,00
